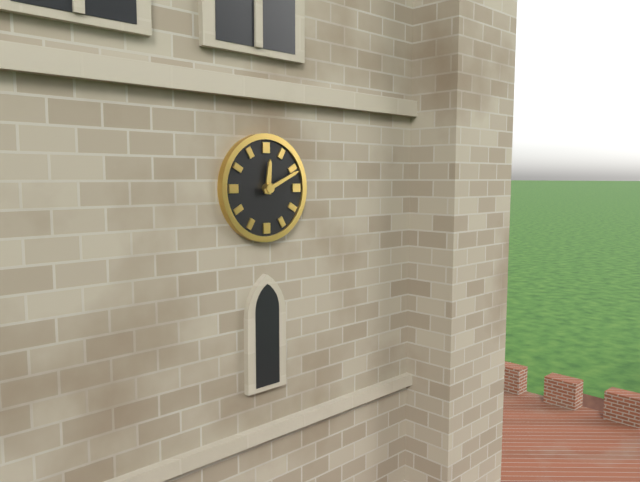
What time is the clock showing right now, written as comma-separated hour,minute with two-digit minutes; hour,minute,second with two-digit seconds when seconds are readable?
12,11
